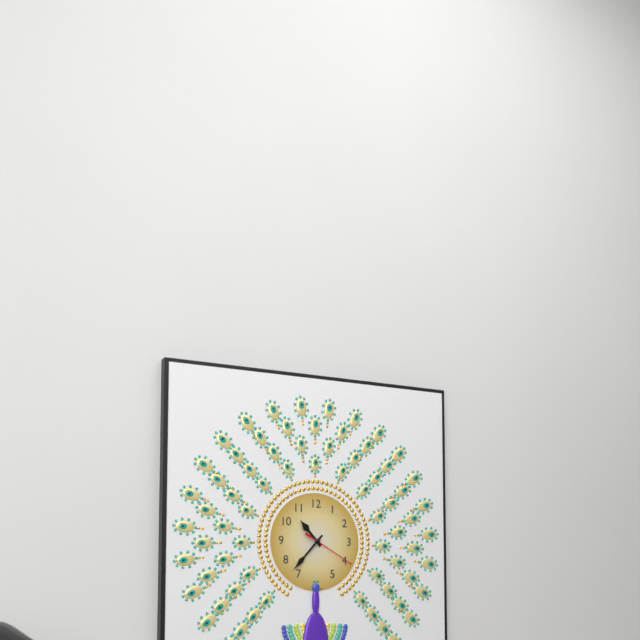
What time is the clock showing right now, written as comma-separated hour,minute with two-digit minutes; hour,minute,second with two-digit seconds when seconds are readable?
10,37,20
